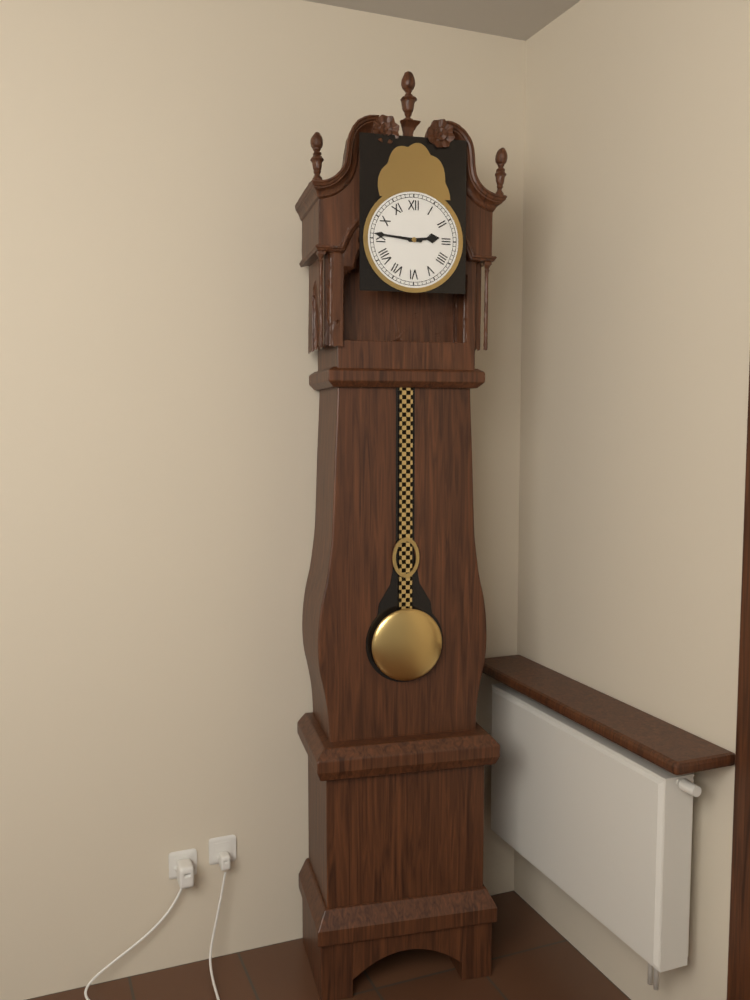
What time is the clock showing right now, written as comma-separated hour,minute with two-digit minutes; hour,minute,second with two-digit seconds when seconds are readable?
2,46
